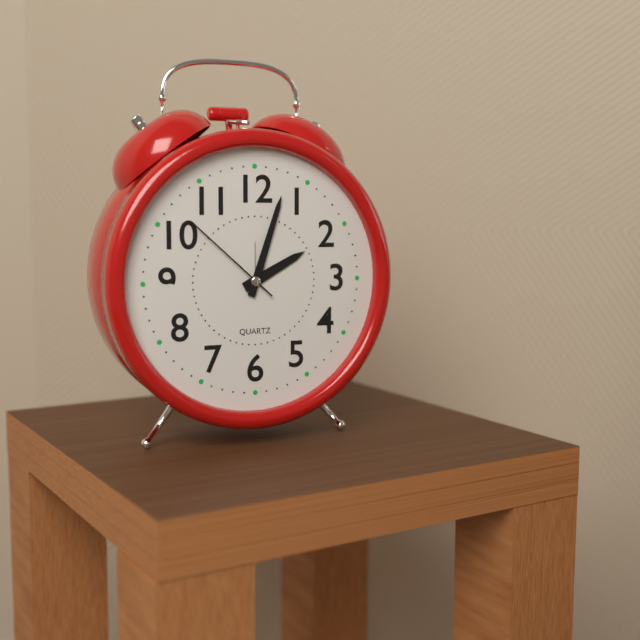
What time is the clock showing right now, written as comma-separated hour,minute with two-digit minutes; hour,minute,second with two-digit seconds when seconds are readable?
2,03,52
